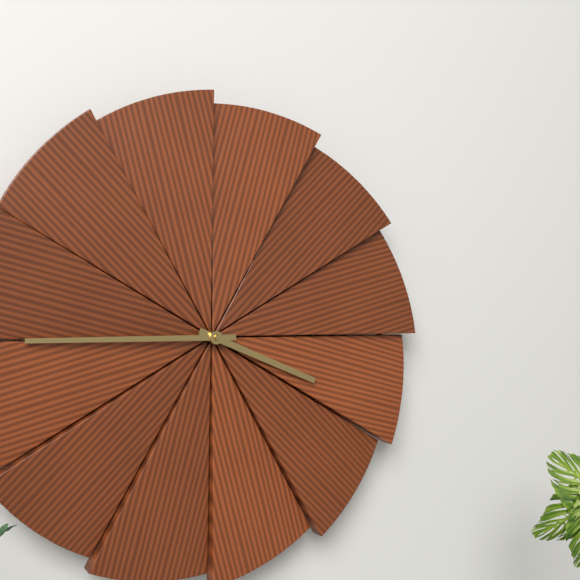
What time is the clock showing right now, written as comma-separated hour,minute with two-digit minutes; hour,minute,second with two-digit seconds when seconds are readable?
3,45
